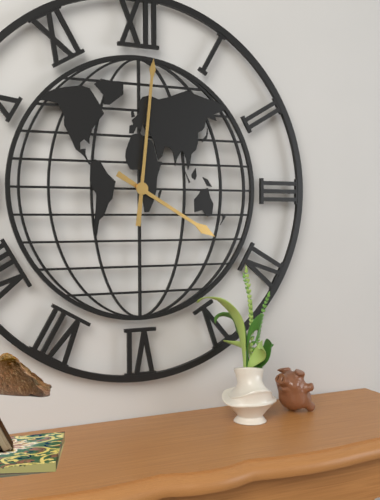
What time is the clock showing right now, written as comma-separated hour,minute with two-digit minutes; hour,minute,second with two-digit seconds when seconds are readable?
4,01
